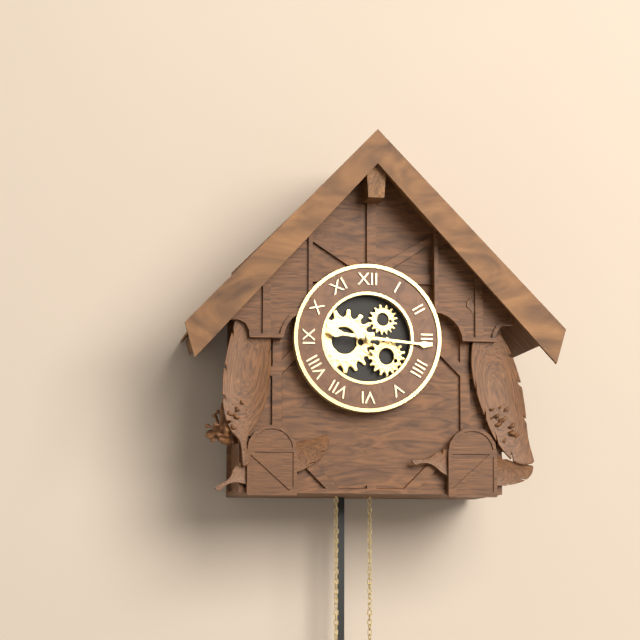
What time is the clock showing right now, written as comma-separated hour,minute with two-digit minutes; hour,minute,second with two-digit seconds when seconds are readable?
9,16
